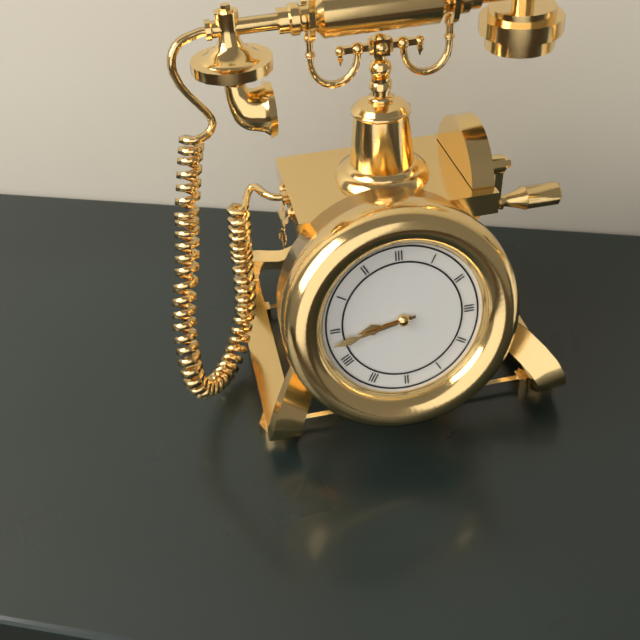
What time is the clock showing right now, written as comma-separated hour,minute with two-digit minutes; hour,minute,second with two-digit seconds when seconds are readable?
8,43
